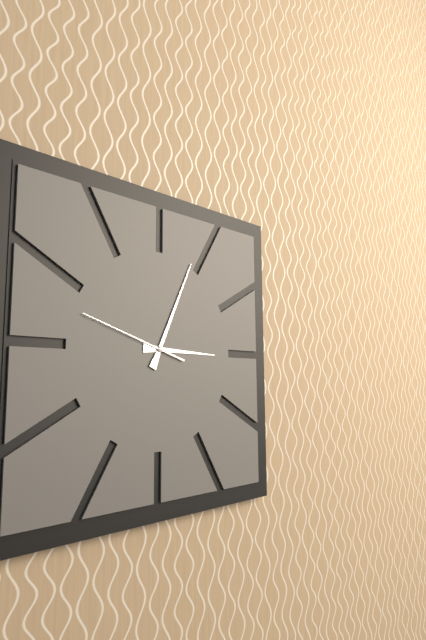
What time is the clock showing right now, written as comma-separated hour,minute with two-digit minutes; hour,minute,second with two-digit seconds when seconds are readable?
3,04,48
